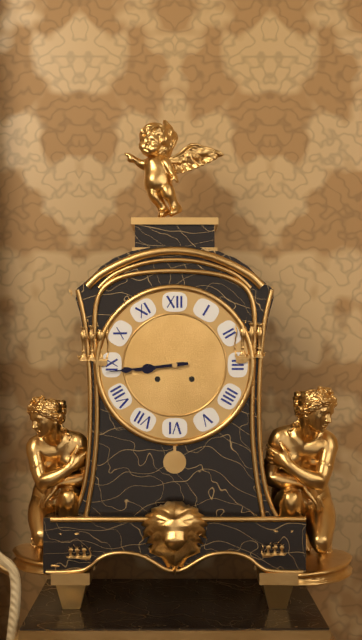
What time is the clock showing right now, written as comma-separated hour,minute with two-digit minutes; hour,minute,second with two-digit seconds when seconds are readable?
8,44
